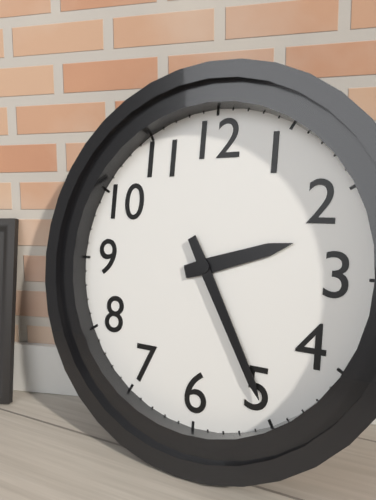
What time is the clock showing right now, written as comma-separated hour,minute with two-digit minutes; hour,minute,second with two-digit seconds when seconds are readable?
2,25
